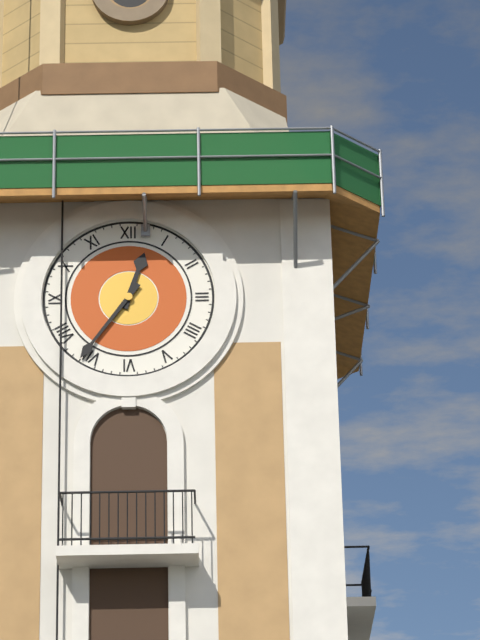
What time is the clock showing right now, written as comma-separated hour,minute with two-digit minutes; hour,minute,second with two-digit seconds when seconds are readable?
12,36
